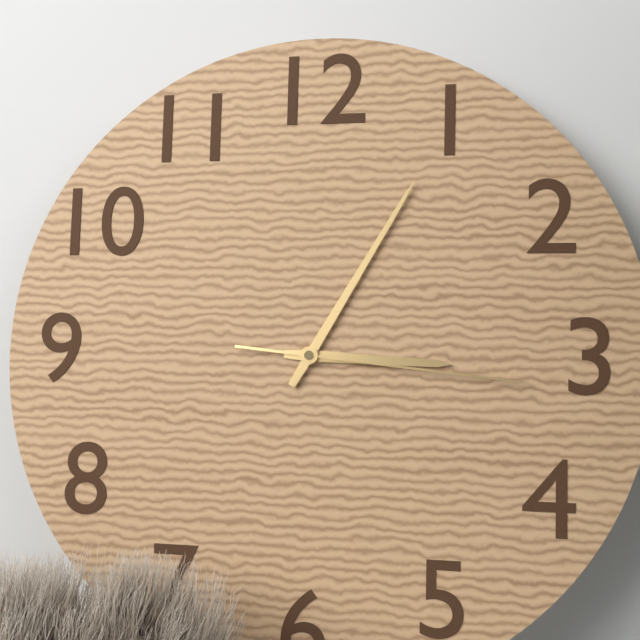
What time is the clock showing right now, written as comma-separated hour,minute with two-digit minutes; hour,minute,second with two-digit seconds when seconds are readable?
3,05,16
